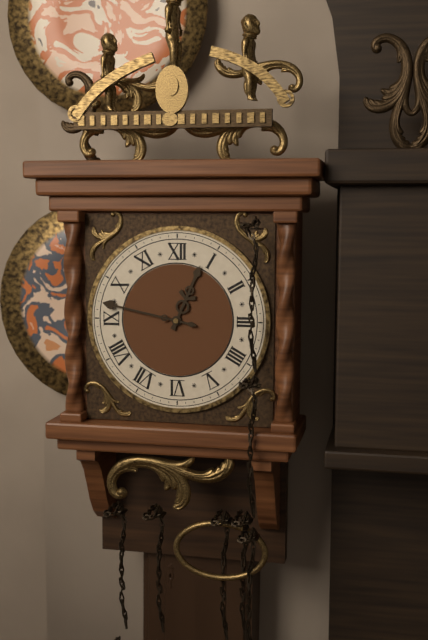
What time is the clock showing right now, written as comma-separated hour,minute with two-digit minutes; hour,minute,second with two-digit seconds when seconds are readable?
12,47
